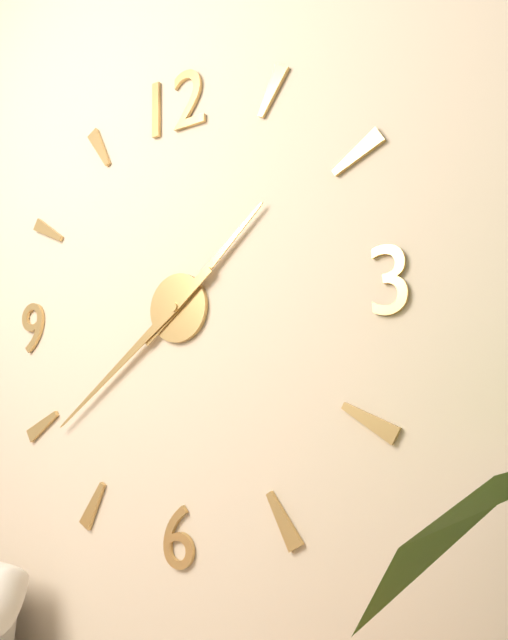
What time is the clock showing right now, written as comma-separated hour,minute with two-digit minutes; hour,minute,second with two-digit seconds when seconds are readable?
1,39
